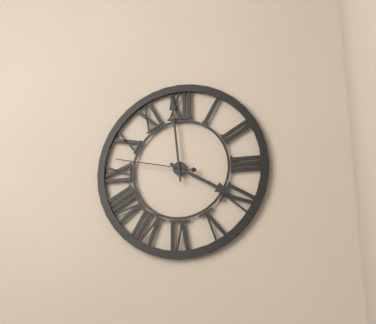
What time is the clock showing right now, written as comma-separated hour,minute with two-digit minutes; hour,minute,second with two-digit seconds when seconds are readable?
3,59,47
